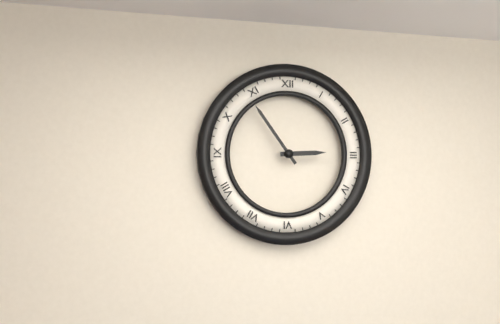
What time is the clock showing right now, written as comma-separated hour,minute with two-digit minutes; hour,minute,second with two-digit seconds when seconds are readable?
2,54
